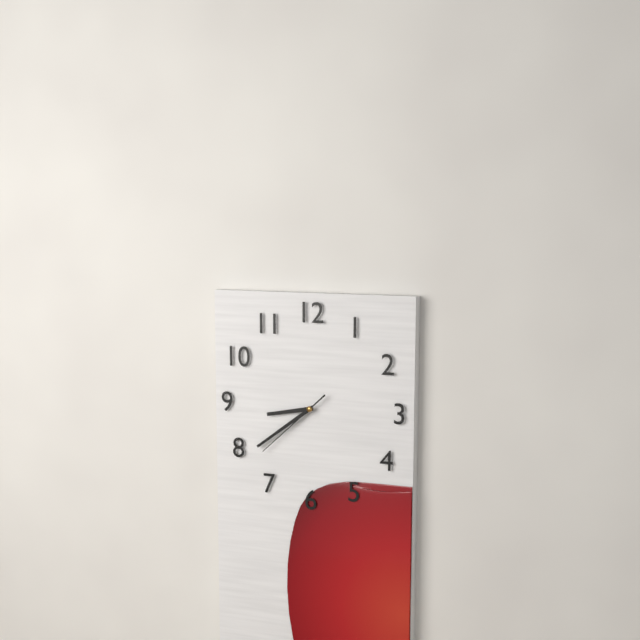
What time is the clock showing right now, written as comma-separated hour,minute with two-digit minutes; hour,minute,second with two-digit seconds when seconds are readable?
8,39,38
